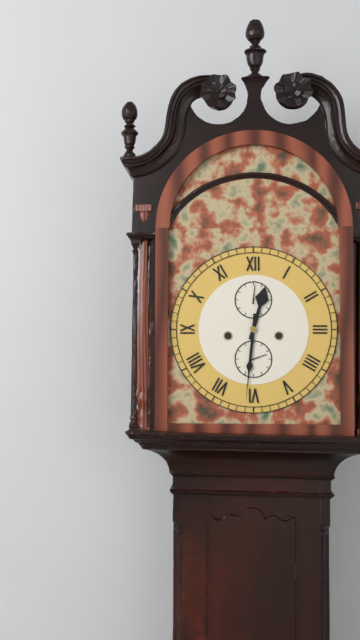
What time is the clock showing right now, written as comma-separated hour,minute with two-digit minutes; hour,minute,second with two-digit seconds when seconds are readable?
12,31
